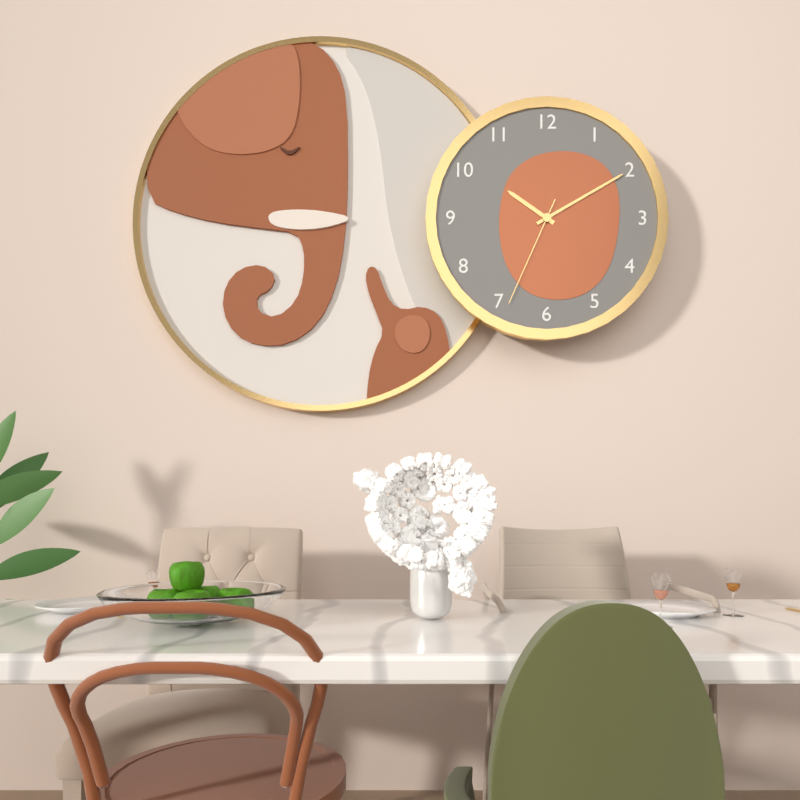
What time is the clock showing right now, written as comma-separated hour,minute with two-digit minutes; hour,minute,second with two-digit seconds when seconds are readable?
10,10,34
